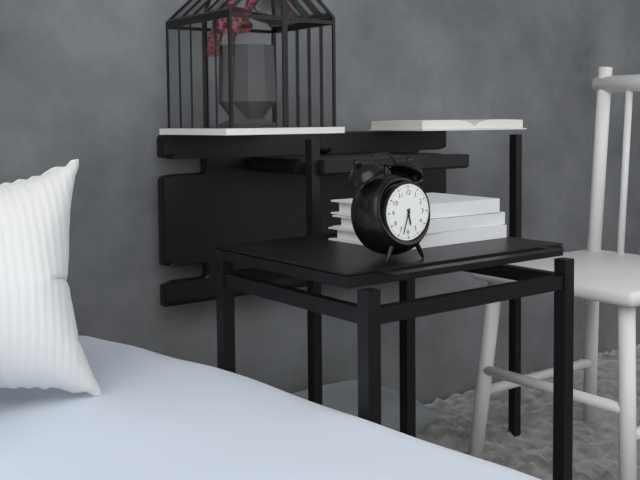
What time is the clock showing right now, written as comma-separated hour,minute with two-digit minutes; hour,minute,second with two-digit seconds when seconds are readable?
5,33
